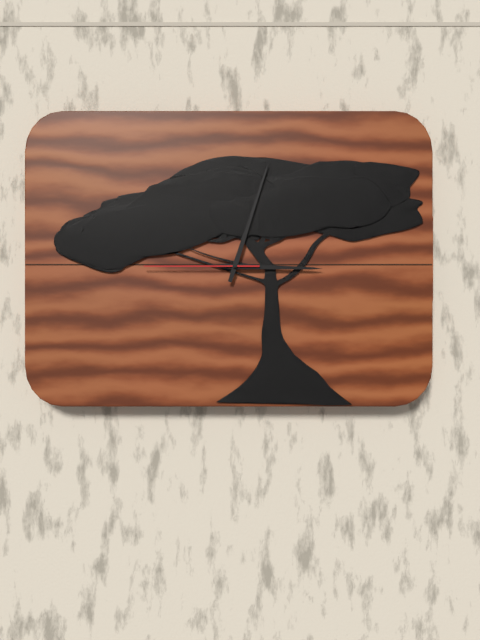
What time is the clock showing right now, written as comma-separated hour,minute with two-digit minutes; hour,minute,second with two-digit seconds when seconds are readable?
3,03,45
